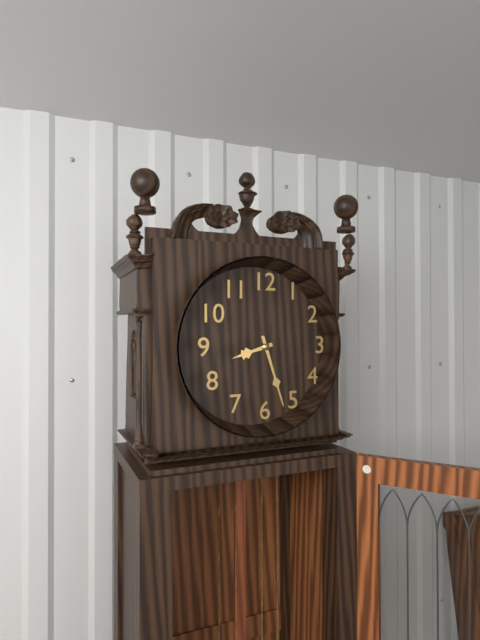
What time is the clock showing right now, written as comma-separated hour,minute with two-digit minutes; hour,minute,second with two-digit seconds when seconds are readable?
8,27
